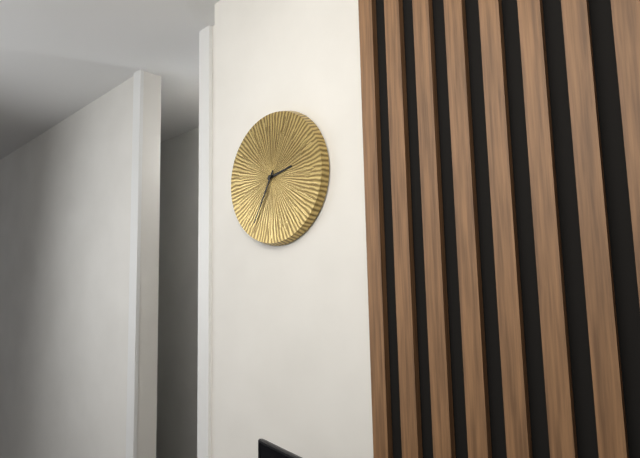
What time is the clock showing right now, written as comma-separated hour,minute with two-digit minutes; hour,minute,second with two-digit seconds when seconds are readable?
2,35
